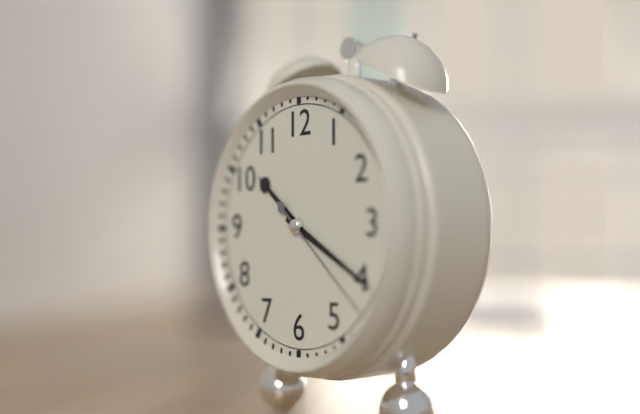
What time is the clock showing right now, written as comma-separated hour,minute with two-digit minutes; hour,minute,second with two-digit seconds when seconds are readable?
10,20,22
